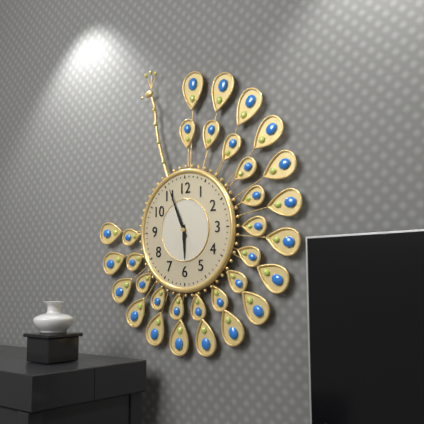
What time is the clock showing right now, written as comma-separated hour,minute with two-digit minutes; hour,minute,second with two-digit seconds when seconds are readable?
5,56
